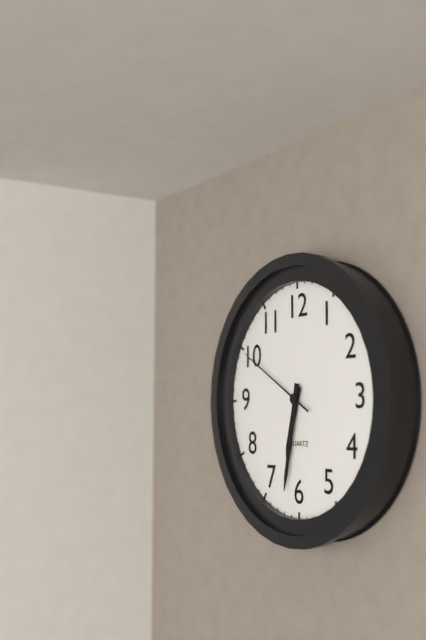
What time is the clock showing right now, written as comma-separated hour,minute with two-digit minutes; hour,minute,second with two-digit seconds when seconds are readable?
6,32,50
